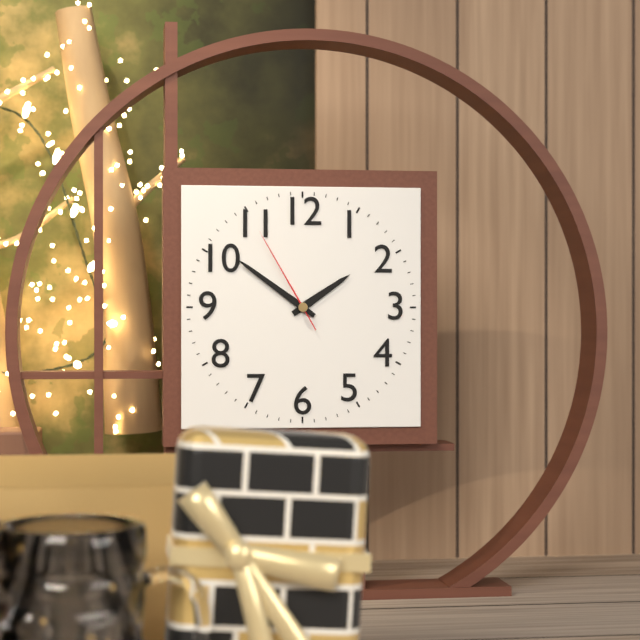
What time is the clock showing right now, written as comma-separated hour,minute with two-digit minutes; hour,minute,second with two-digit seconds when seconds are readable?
1,51,55
